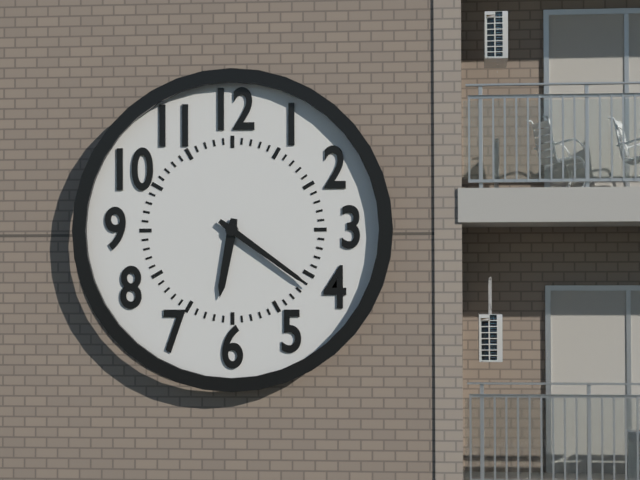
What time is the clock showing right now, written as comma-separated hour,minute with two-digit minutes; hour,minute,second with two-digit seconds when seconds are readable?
6,21
